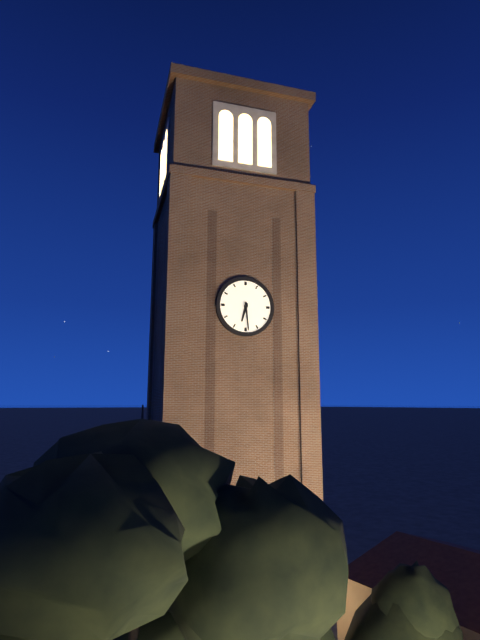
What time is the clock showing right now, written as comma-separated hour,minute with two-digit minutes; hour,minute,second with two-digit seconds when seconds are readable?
6,29
